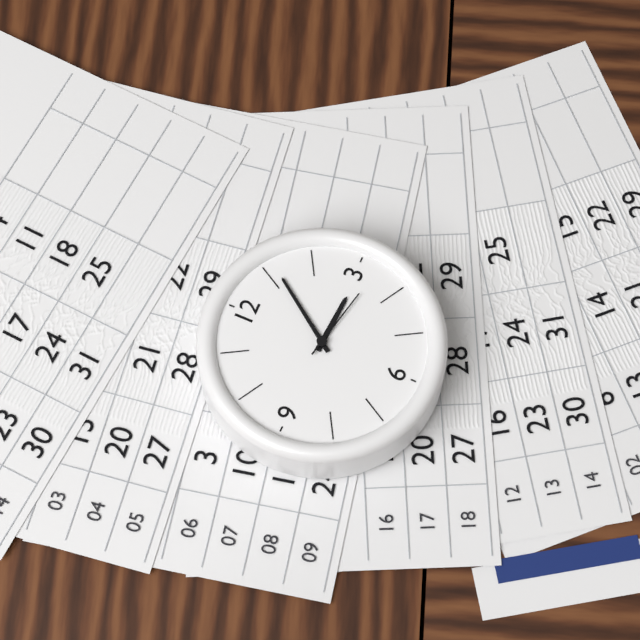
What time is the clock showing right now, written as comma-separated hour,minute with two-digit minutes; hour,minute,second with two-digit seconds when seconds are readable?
3,06,17
